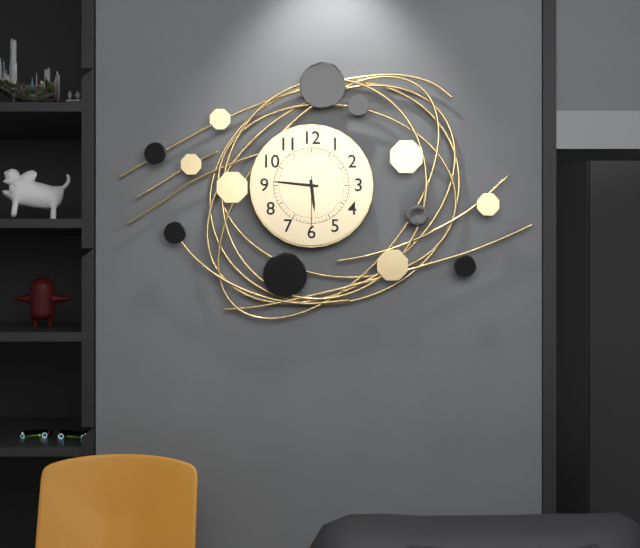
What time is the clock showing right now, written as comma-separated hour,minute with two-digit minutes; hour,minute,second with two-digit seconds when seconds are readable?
5,46,30
